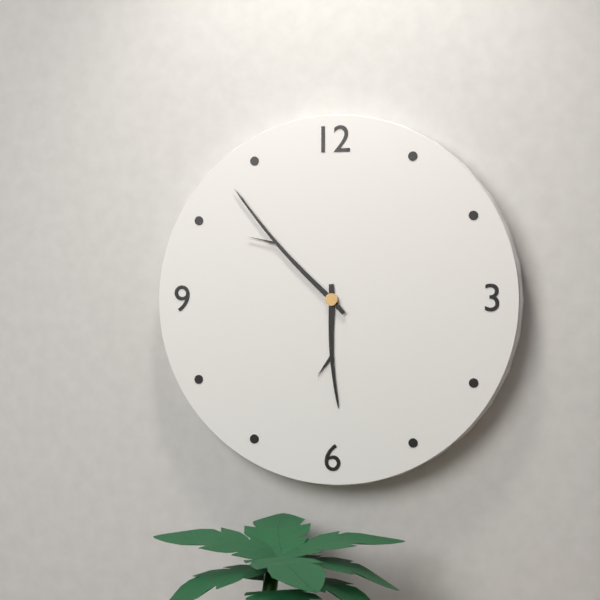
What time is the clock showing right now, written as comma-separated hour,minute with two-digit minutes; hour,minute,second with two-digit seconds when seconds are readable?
5,53
